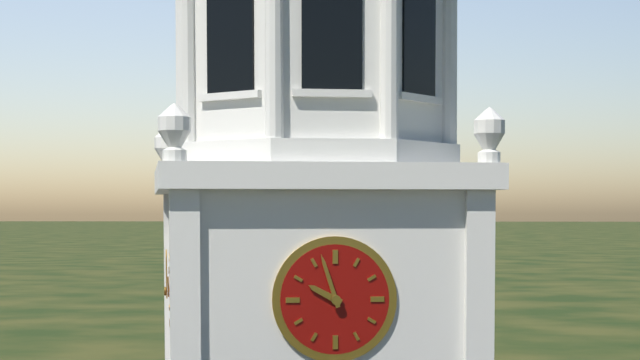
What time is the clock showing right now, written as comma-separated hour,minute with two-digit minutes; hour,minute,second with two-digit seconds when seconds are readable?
9,57
